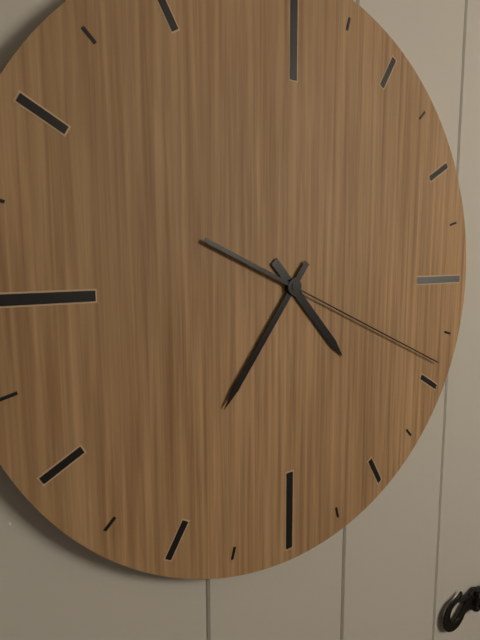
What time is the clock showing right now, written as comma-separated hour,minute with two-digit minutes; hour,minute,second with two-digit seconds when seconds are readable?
4,36,19
